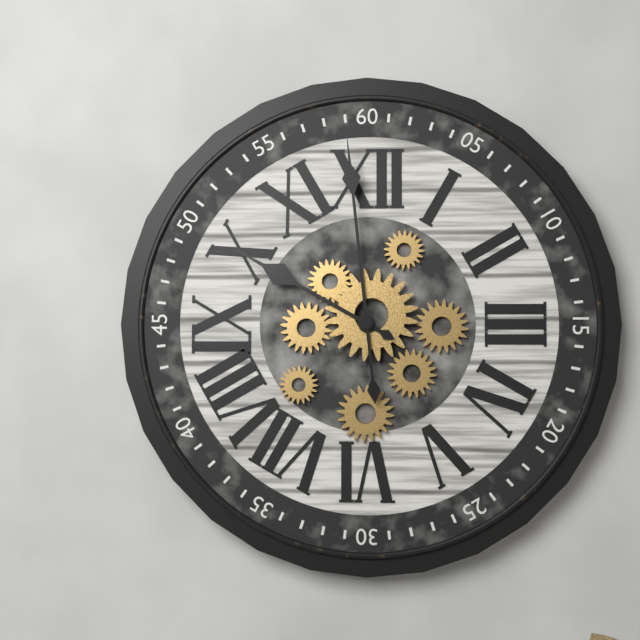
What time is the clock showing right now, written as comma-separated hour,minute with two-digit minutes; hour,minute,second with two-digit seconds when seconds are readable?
9,59
